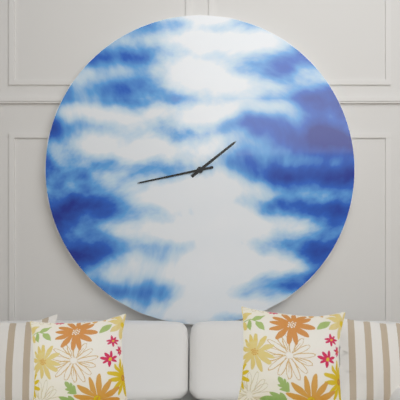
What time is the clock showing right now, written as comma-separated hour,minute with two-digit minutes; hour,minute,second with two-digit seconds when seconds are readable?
1,43
